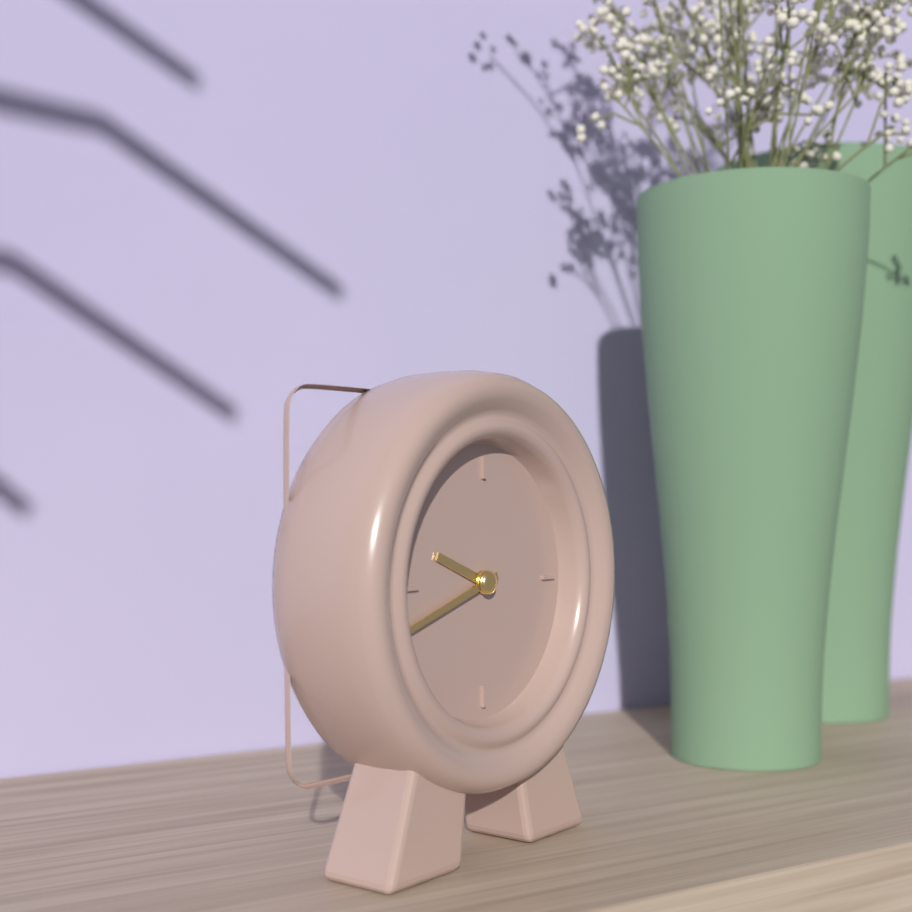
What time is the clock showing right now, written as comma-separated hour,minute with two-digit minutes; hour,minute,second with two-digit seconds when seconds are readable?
9,42
